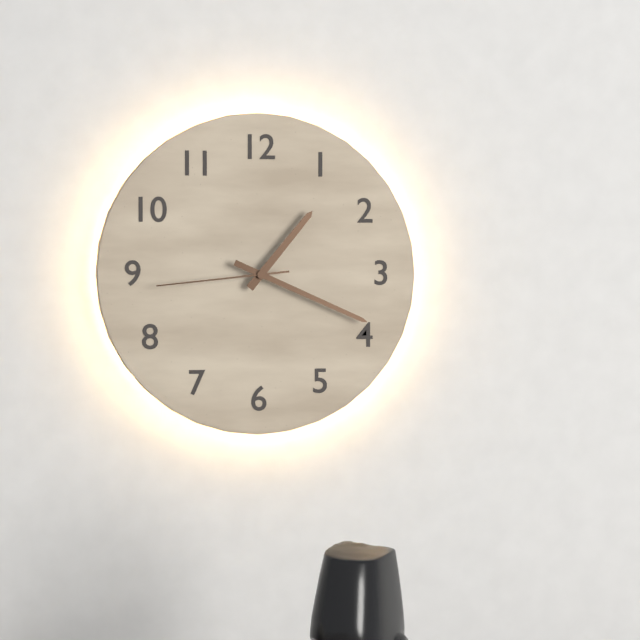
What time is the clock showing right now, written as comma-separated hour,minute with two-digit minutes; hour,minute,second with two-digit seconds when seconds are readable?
1,19,44
